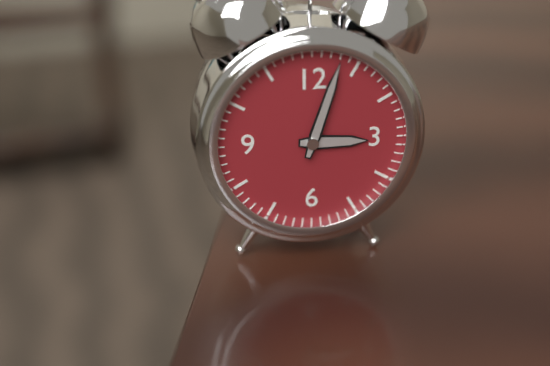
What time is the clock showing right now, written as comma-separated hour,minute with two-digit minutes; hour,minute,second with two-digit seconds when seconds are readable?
3,03
